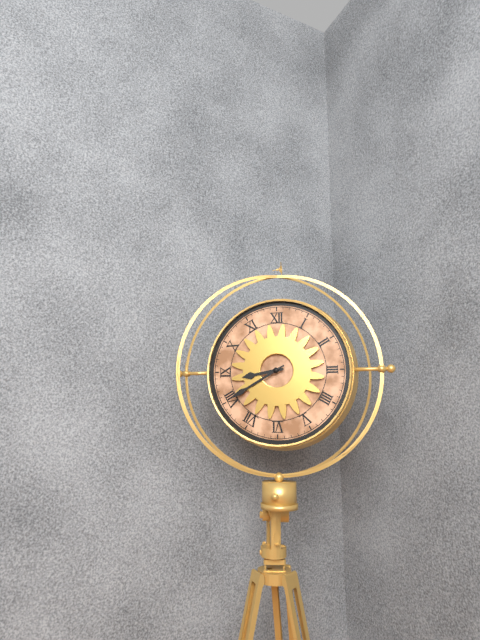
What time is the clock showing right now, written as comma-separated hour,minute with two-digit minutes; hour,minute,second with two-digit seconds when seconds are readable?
8,40
